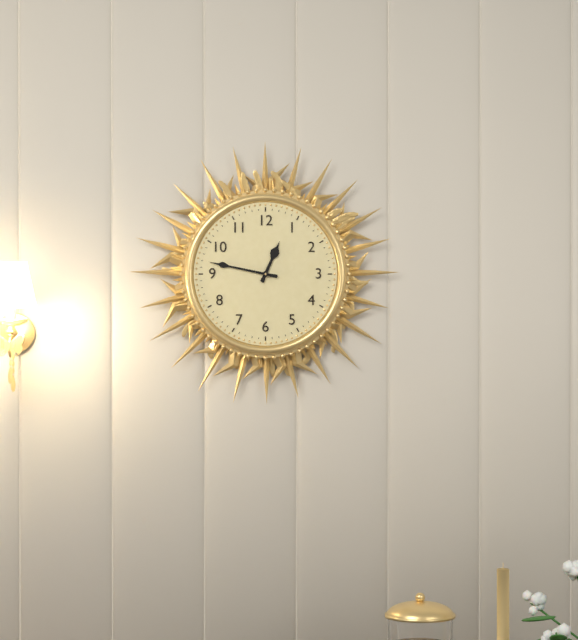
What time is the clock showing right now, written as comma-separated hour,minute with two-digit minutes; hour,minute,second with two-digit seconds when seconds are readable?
12,47
